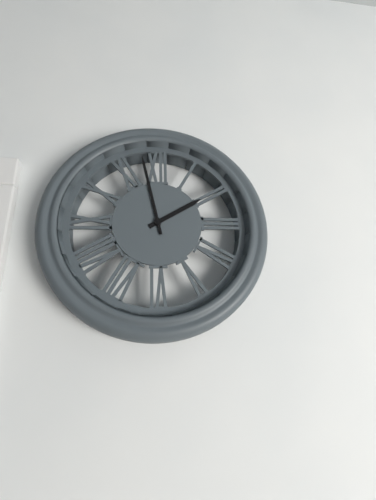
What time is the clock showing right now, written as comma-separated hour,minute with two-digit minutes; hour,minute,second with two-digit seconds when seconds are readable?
1,58
